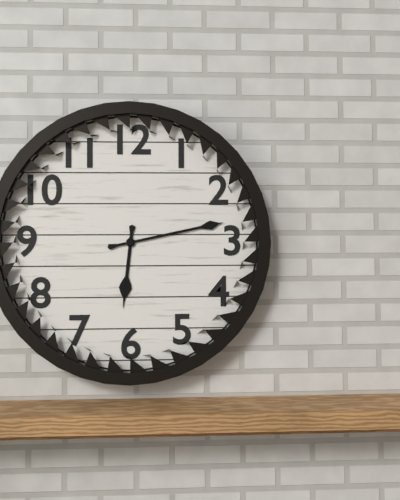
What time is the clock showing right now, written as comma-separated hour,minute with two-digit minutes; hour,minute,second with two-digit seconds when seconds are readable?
6,13
